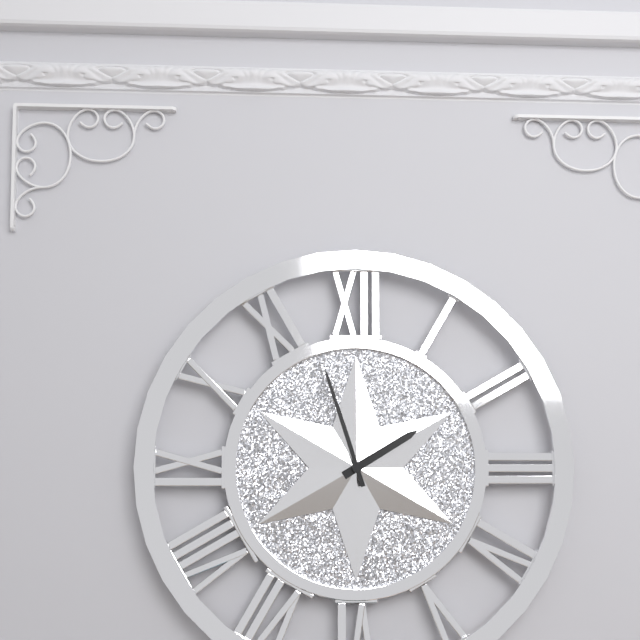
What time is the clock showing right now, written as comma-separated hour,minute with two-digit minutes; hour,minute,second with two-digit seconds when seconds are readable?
1,57
